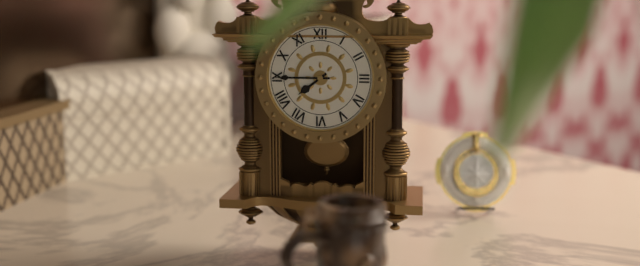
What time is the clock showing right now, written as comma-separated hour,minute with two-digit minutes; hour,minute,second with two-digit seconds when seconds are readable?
7,45
